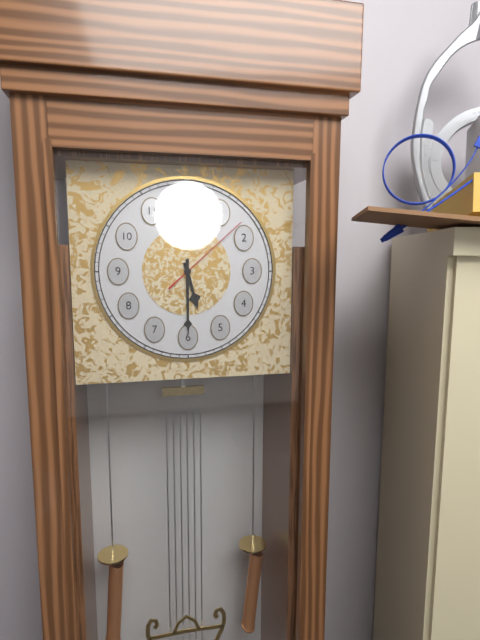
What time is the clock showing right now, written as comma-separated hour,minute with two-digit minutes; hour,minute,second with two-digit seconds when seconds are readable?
5,30,08
